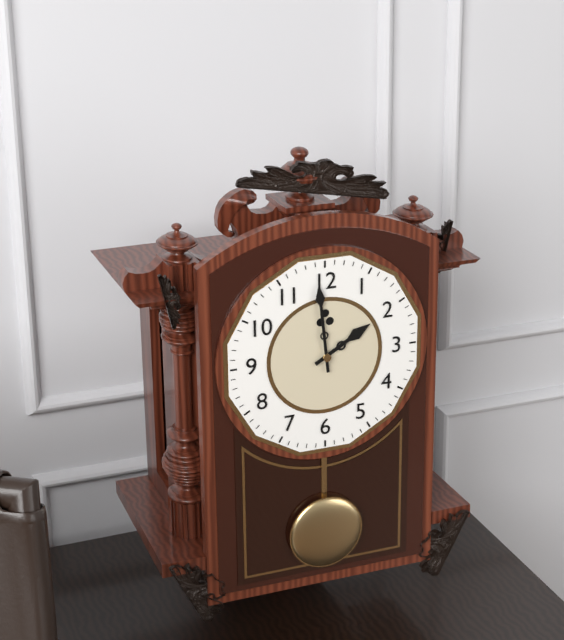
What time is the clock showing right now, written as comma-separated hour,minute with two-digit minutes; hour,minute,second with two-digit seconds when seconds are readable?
1,59
